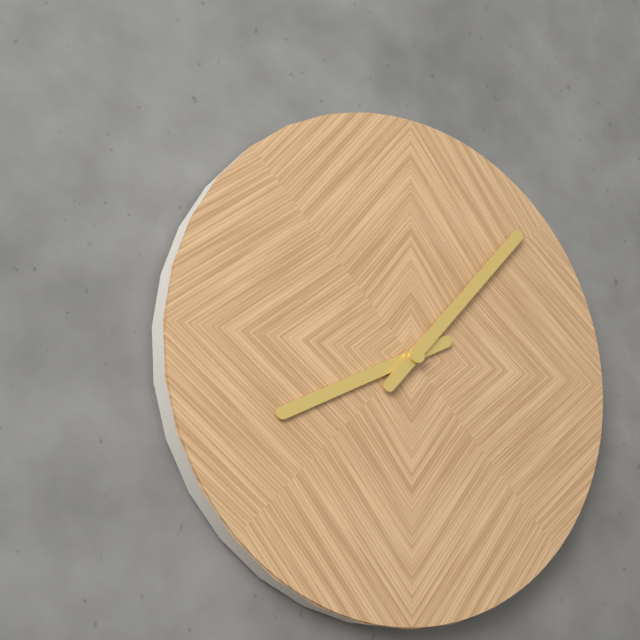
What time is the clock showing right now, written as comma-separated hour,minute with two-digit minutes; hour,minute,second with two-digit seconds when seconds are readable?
8,07
